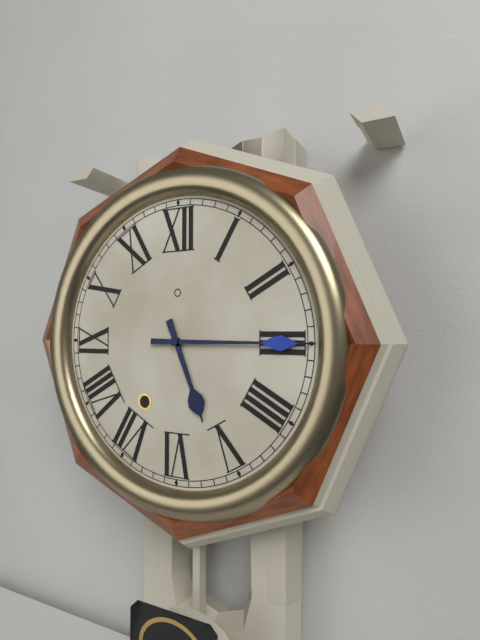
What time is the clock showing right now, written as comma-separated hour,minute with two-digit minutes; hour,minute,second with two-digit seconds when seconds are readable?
5,15
